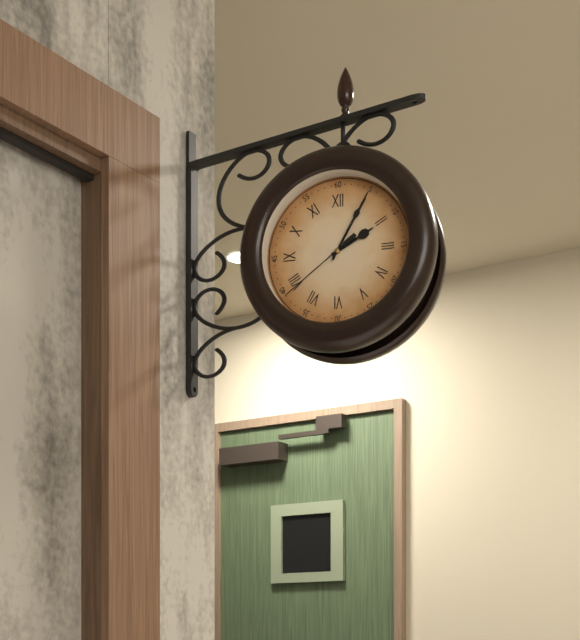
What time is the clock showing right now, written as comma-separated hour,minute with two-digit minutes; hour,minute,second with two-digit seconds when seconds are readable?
2,05,39
